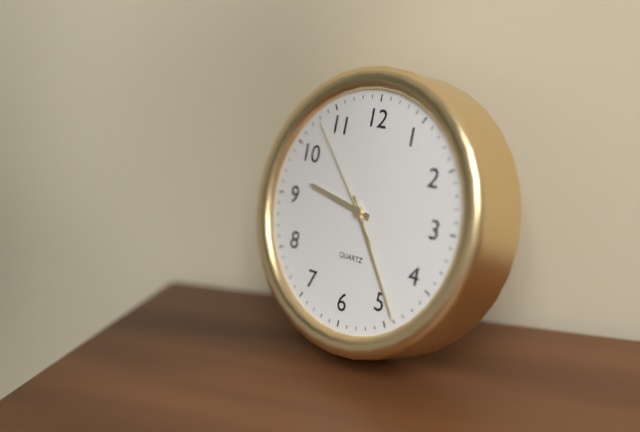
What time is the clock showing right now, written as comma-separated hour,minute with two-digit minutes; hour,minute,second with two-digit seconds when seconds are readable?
9,24,53
